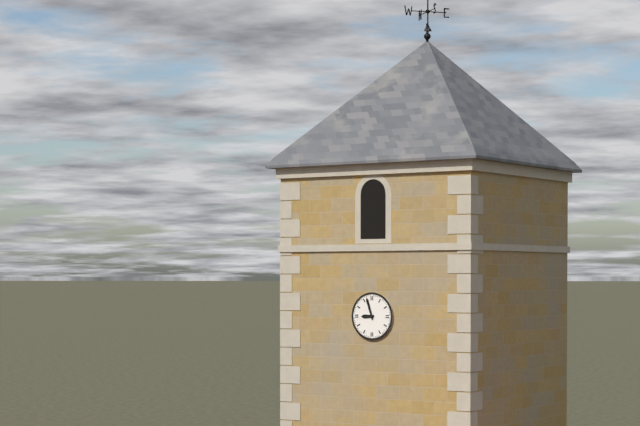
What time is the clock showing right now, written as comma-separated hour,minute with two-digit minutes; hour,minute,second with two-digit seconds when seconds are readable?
8,57
